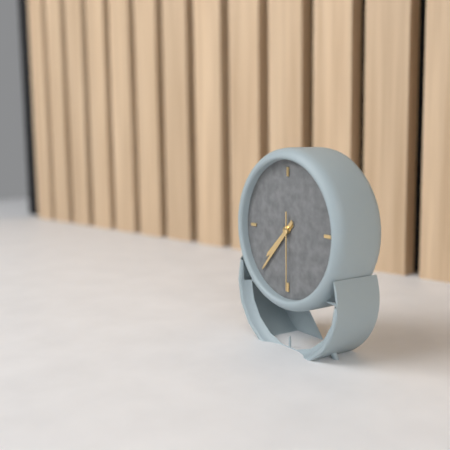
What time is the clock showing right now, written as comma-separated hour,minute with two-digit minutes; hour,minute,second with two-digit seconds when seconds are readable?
7,37,30
